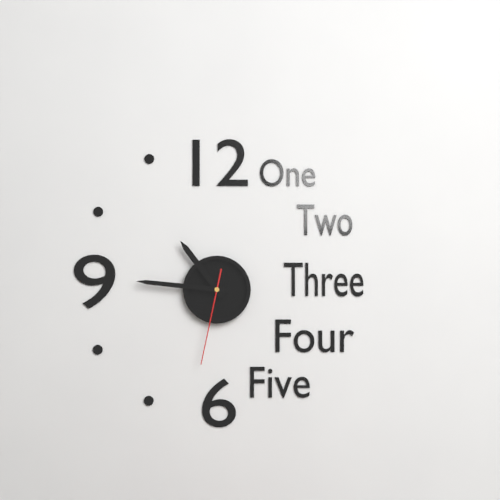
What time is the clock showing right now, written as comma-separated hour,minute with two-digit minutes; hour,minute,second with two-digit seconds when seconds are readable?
10,46,32
